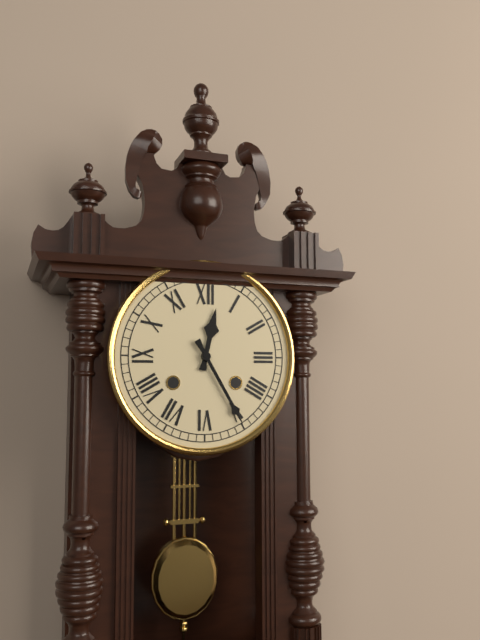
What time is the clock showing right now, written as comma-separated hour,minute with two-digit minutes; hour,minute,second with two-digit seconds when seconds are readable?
12,25
